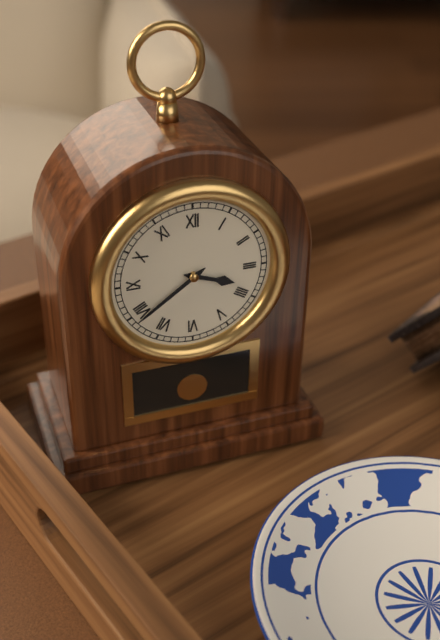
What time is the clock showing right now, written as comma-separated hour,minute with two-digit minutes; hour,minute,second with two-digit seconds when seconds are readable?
3,39
